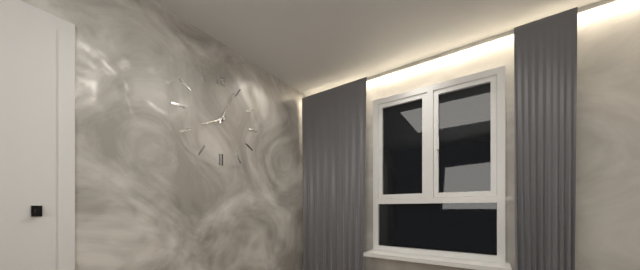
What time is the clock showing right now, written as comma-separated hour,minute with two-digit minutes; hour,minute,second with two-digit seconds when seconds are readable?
8,04
